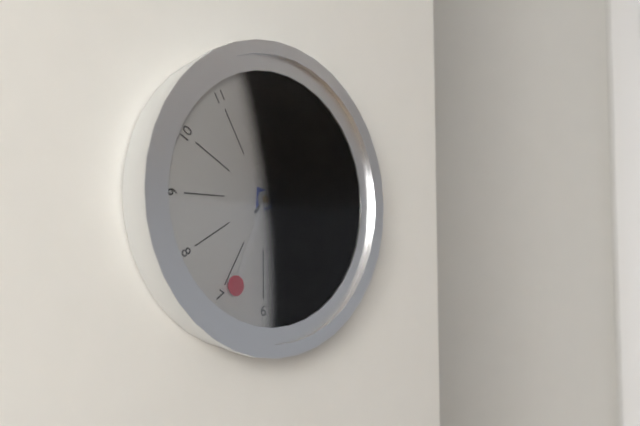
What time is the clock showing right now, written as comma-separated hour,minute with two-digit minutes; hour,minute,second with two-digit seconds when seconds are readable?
3,07,34
